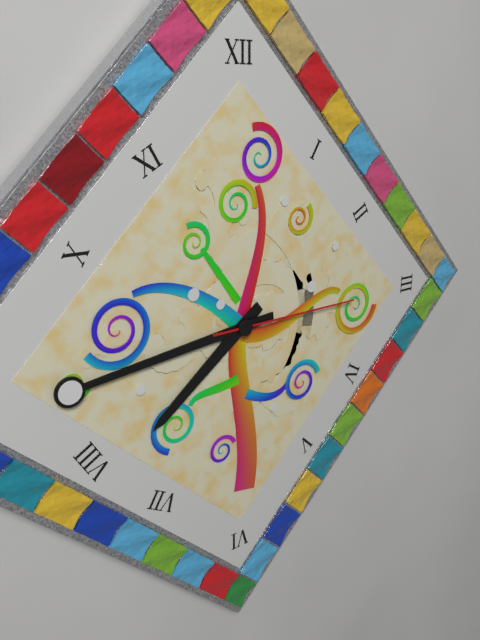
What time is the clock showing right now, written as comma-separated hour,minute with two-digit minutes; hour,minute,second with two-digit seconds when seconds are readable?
7,44,15
